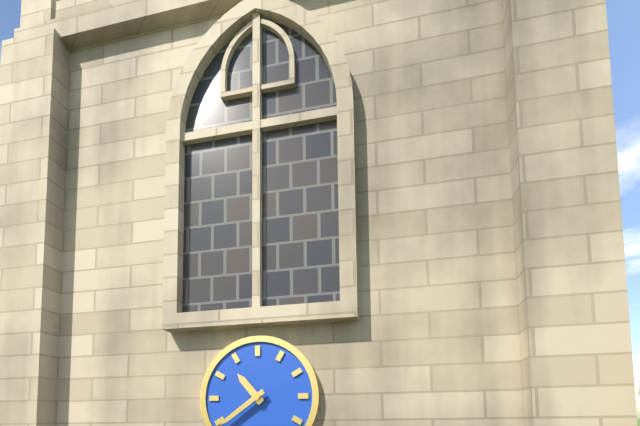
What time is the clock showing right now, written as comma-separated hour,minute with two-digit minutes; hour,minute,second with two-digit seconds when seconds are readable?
10,39
